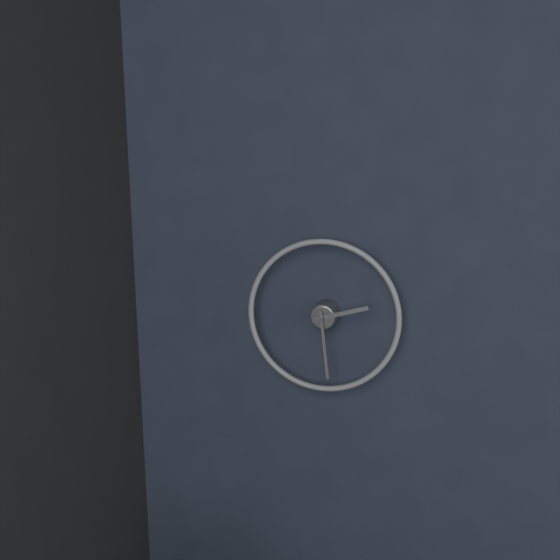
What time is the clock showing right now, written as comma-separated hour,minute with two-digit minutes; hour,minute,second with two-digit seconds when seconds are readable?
2,29
